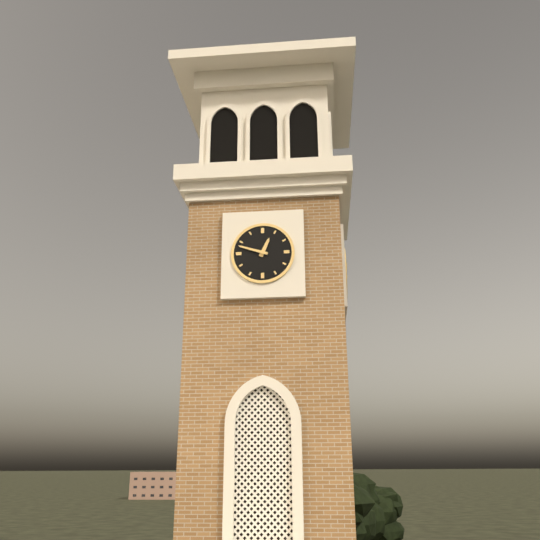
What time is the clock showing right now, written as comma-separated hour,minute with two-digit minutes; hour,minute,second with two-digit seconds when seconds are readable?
12,48
